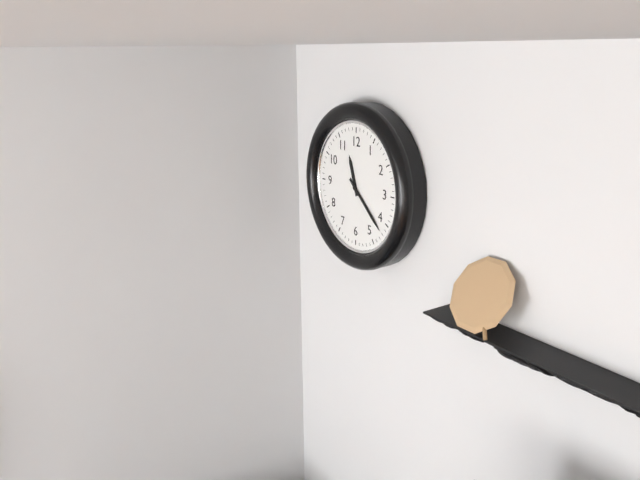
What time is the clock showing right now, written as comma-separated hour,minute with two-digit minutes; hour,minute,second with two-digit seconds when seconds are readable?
11,22
